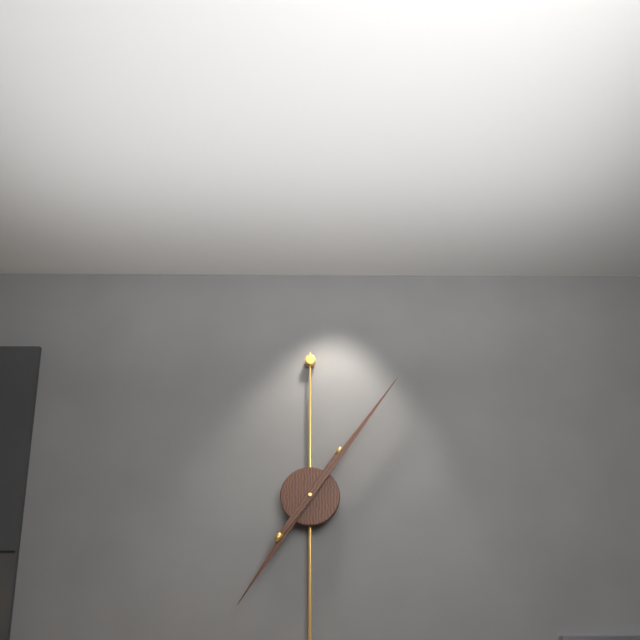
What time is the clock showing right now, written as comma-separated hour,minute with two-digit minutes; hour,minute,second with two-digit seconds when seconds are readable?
7,06
